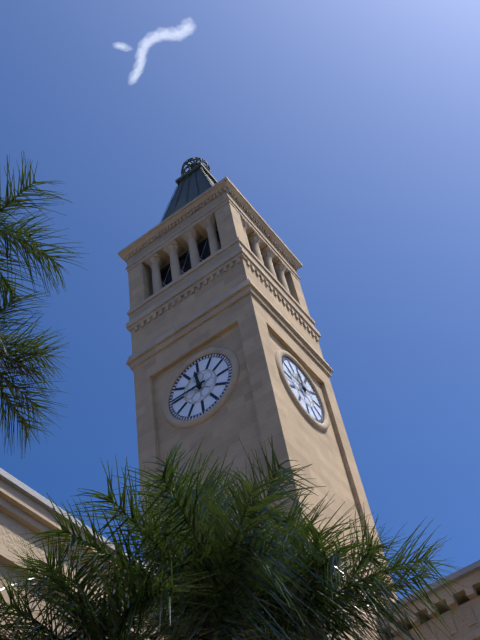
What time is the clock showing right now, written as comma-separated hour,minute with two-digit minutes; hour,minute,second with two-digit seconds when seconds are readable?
11,45
